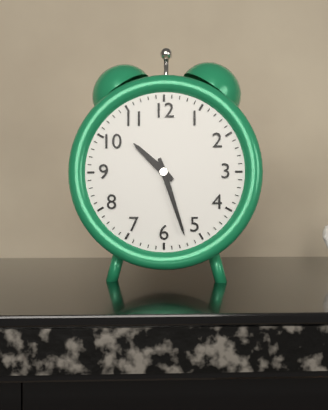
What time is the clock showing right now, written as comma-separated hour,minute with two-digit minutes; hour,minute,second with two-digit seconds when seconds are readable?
10,27
